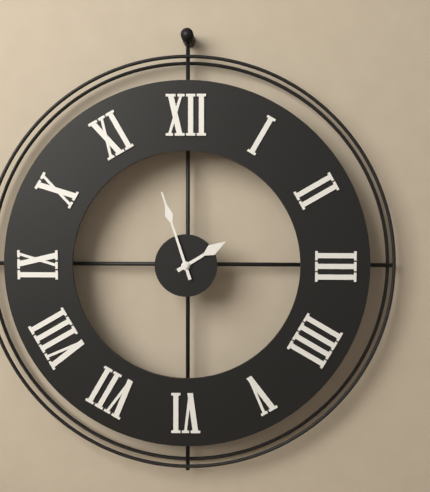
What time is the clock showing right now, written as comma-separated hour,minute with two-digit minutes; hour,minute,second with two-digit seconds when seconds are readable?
1,57
